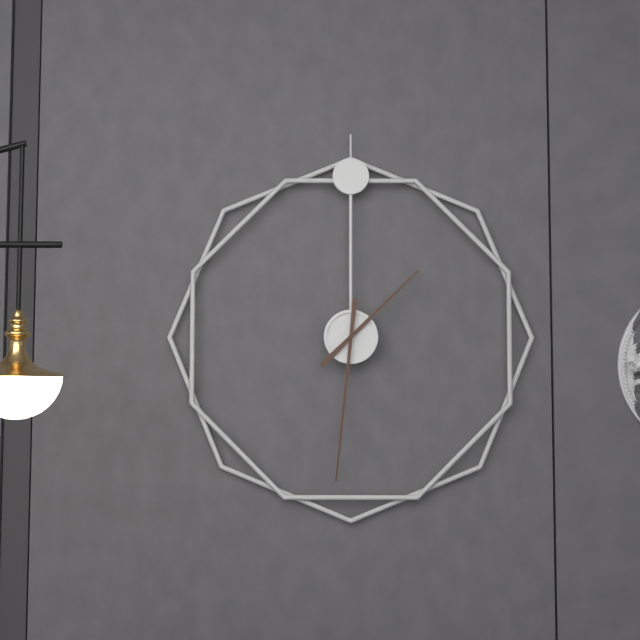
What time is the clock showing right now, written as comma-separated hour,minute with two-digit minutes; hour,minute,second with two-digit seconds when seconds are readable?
1,31
